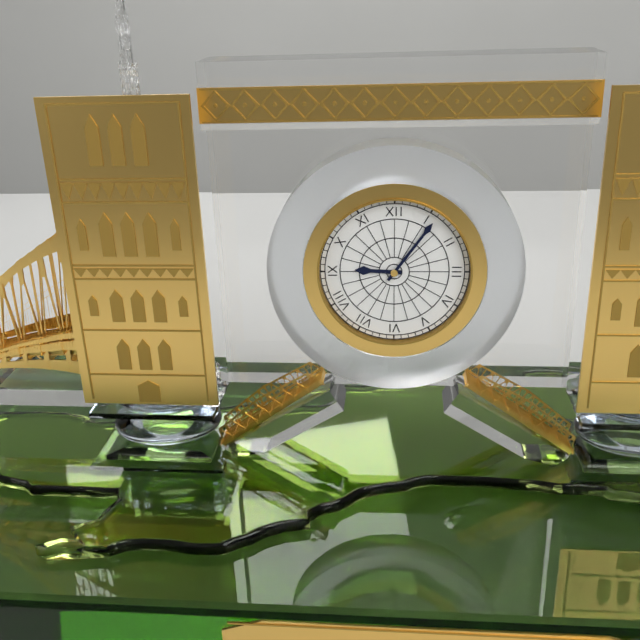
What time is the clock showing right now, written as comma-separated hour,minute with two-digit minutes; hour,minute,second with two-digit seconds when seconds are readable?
9,06
